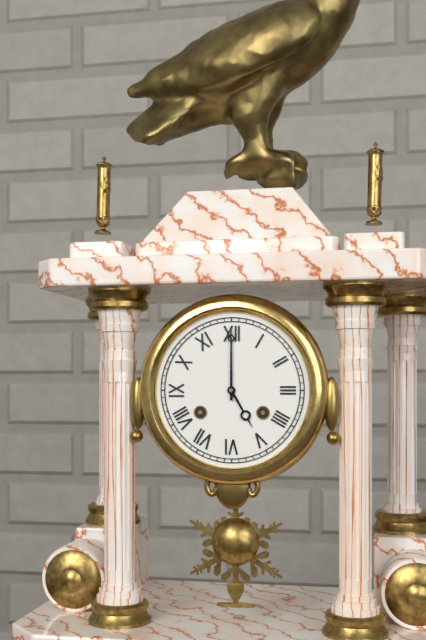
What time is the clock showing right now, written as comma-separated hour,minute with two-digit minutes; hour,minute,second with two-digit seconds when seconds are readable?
5,00
